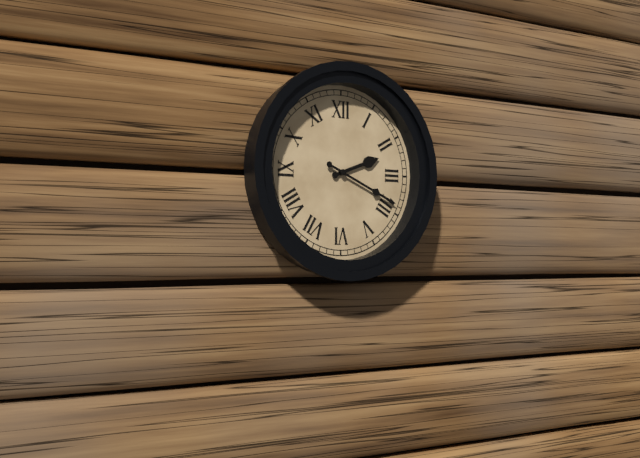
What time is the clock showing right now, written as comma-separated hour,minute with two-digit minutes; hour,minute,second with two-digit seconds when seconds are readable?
2,19
